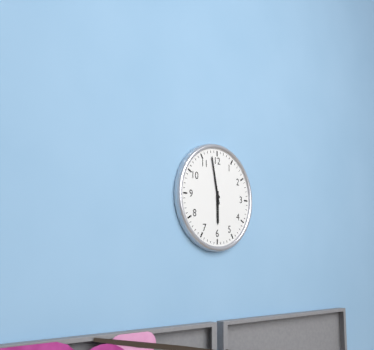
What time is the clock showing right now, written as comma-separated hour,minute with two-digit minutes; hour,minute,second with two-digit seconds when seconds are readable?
5,58
